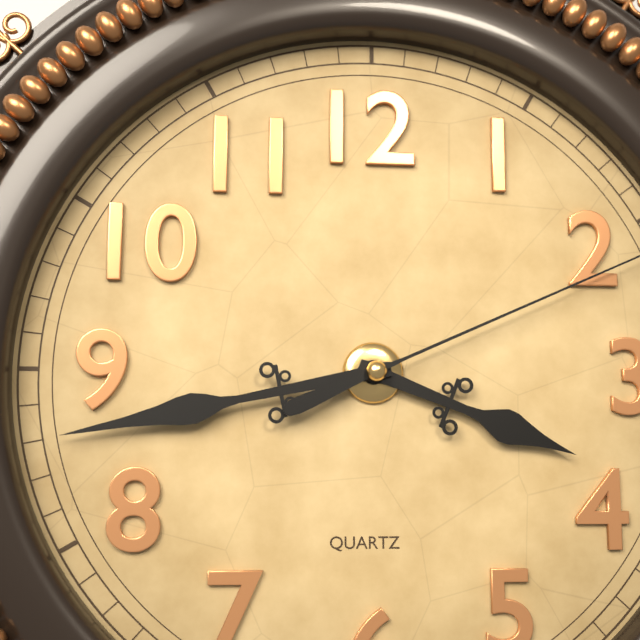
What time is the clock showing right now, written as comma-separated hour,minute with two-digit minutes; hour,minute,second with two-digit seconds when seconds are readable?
3,43
